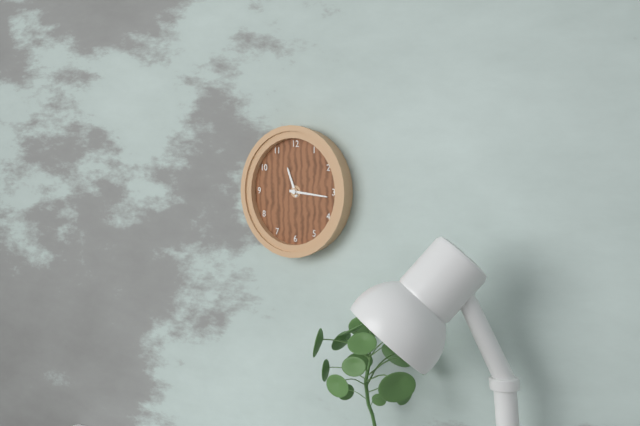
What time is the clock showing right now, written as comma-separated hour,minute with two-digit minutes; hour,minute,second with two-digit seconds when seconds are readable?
11,16
